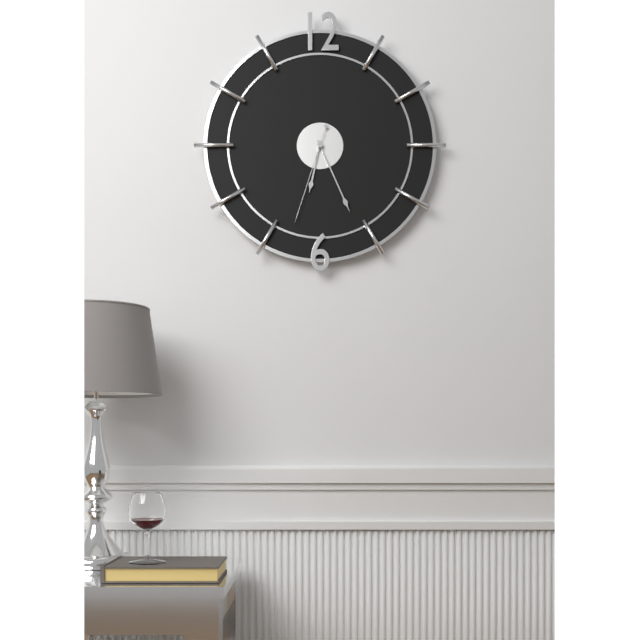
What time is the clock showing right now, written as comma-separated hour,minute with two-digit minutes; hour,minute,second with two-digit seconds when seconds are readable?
6,26,33
